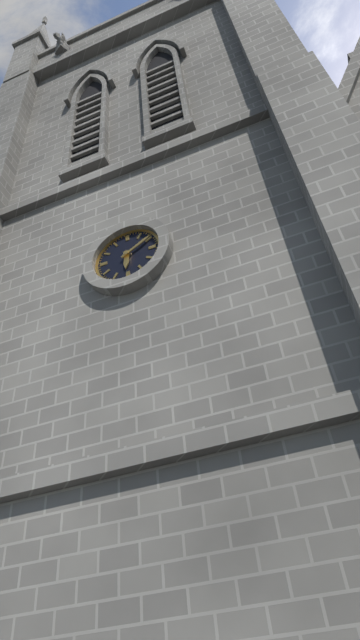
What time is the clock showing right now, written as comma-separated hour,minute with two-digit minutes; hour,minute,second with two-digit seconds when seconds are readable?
6,10
